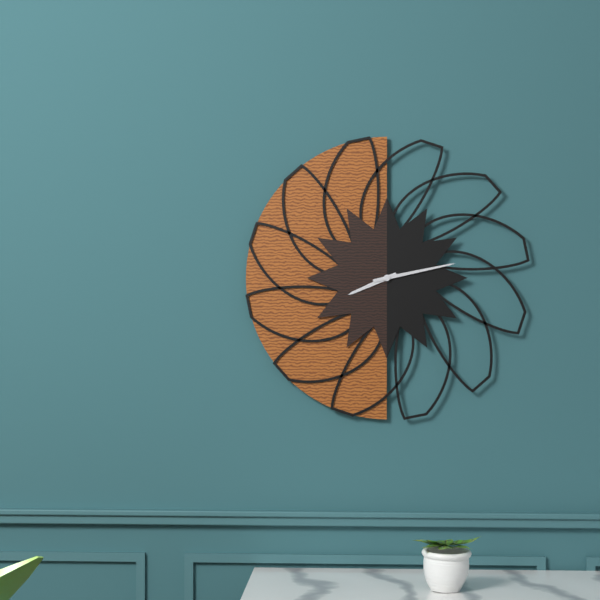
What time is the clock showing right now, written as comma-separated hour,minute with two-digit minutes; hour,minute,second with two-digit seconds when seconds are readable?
8,13
